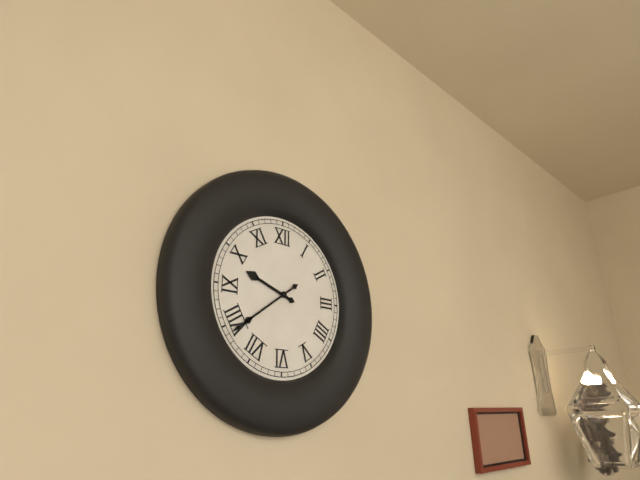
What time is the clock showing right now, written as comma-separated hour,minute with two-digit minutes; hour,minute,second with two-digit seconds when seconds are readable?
9,39
